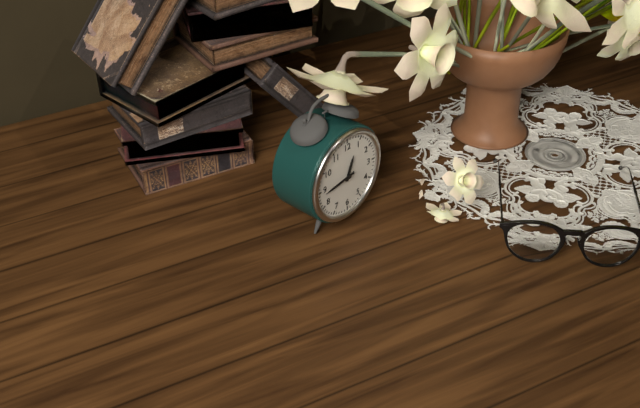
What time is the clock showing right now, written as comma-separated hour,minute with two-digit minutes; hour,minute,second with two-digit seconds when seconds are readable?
12,44
